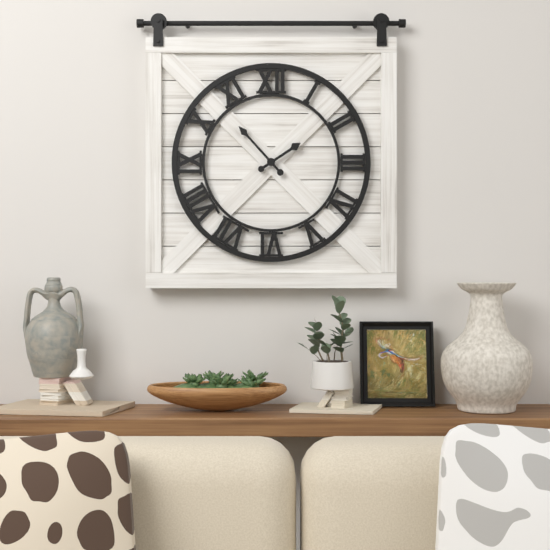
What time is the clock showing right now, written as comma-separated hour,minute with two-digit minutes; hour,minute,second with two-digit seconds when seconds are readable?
1,53
